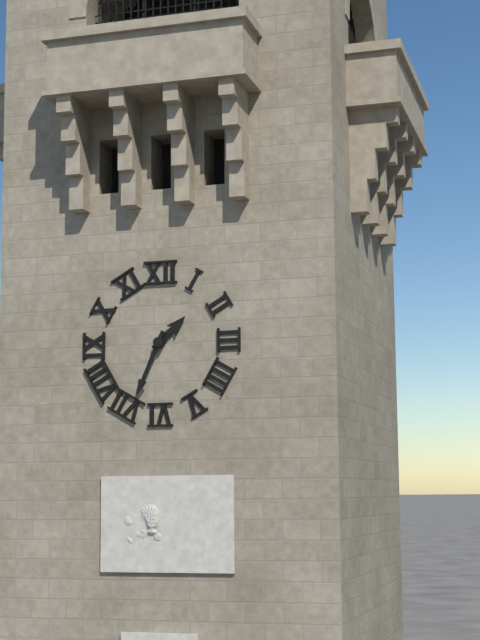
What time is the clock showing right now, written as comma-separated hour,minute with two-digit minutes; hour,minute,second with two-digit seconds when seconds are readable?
1,34
